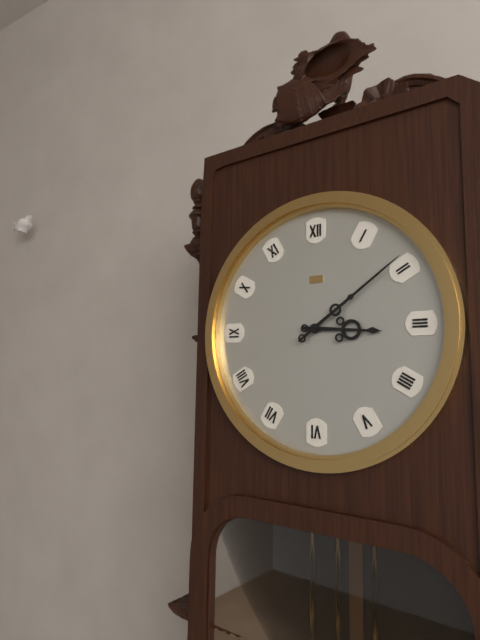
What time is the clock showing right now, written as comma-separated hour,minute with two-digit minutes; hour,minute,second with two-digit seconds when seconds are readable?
3,09
